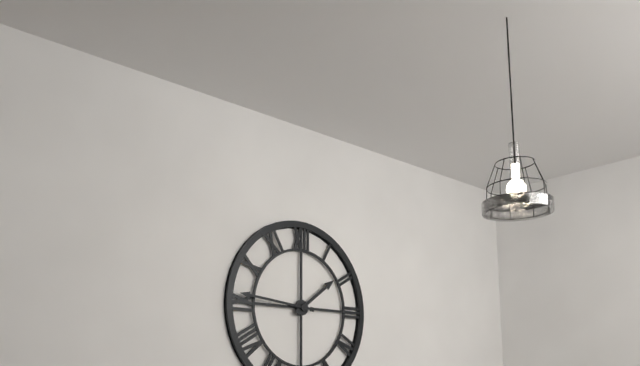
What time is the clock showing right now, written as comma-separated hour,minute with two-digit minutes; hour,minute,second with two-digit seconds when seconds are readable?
1,46
